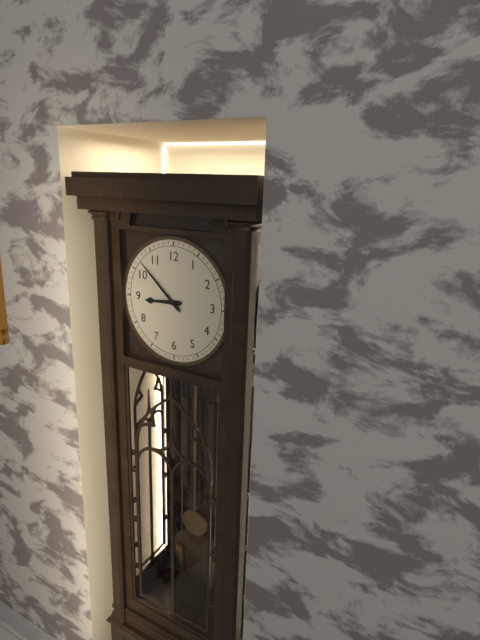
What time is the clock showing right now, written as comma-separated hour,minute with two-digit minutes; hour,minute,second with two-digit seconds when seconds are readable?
8,52
